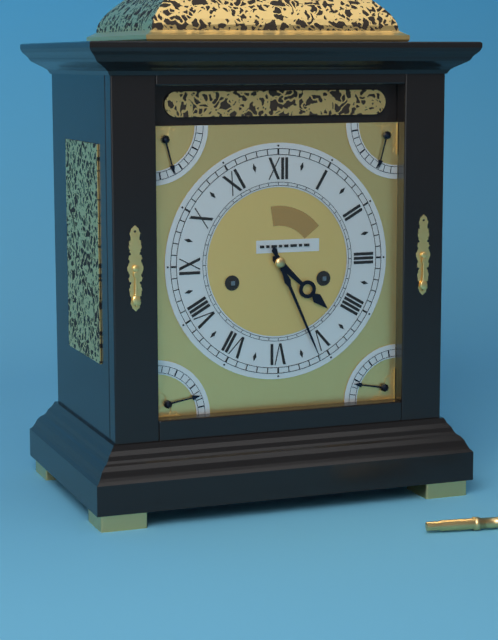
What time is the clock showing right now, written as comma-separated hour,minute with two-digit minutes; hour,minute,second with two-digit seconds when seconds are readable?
4,26
